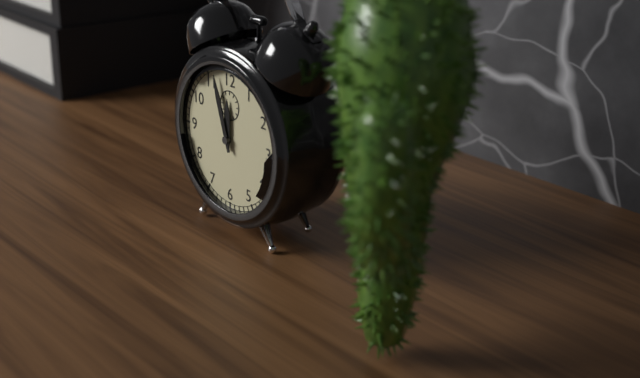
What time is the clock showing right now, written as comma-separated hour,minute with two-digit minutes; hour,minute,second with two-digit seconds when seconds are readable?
11,57
